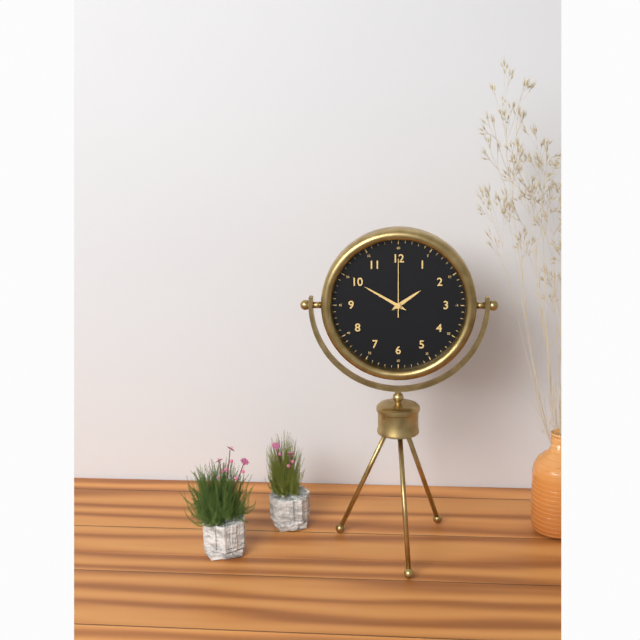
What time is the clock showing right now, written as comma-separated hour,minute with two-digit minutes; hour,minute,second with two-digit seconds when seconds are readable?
1,50,00
